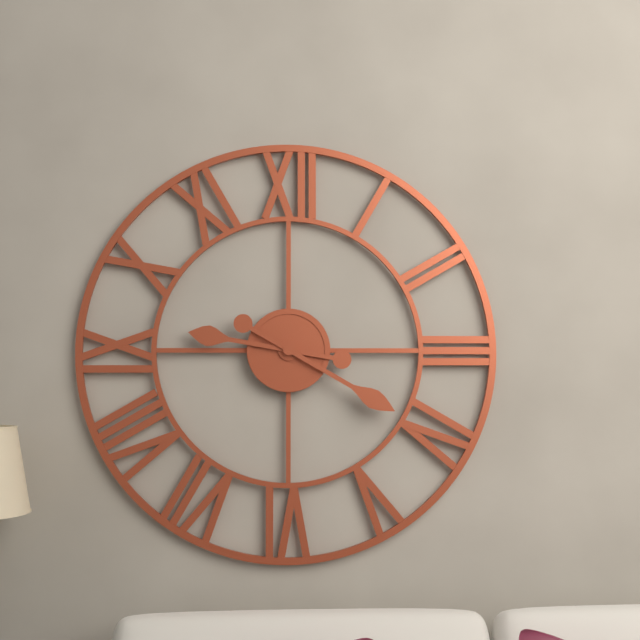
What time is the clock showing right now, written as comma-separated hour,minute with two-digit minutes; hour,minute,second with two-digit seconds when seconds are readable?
9,20
